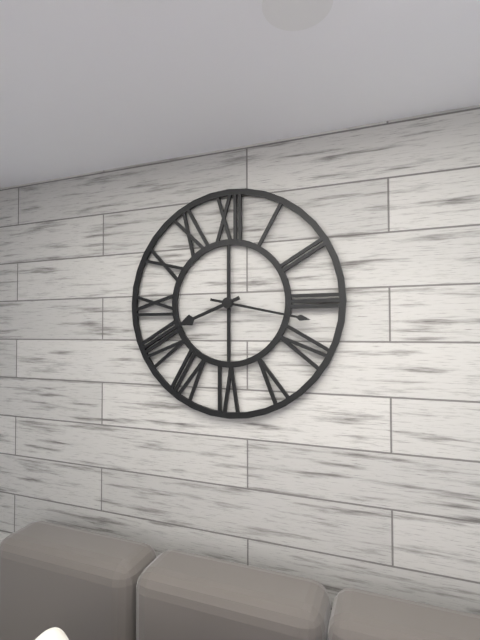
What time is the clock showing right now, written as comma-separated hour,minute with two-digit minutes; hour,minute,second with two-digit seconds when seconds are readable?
8,17
